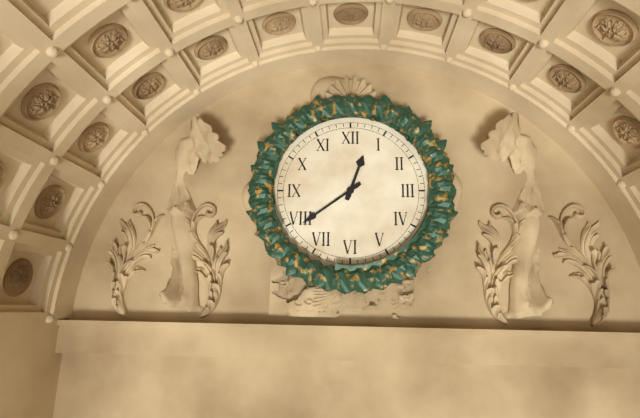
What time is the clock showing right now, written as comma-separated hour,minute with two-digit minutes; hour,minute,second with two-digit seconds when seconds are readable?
12,39
